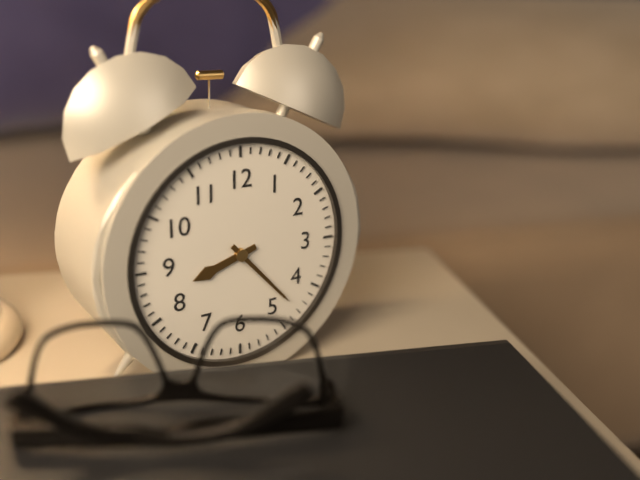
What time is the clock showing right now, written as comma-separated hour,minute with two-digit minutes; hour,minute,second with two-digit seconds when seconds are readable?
8,23
